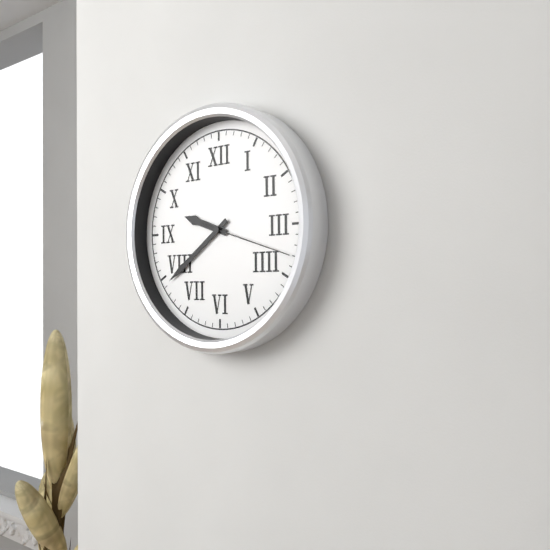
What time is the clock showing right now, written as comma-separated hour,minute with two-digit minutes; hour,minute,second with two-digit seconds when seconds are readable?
9,39,18
